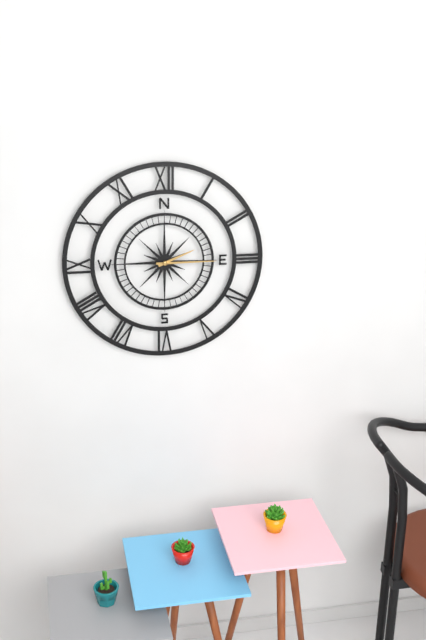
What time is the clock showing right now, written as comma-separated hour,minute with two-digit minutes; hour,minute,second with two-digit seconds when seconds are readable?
2,15
